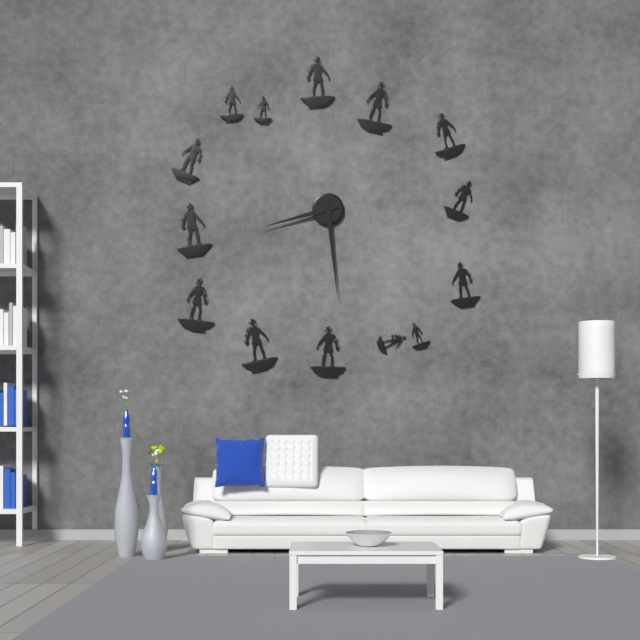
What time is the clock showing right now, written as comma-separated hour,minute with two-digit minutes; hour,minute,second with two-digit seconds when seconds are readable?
8,29
